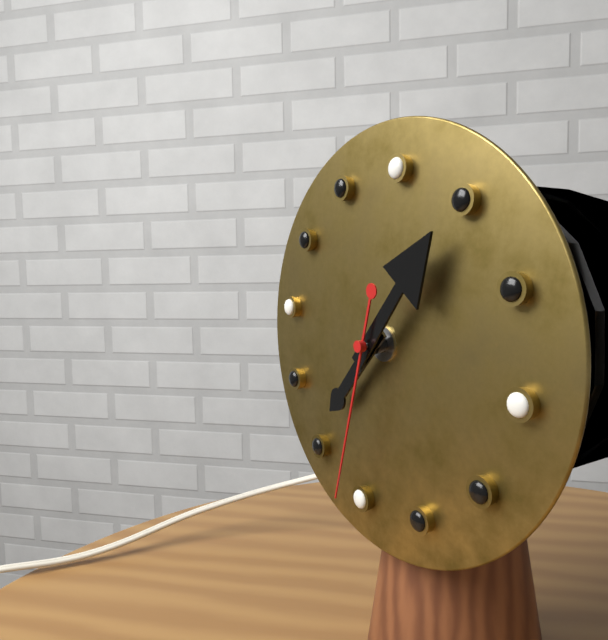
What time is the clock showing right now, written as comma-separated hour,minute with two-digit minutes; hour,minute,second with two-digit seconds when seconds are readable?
7,05,31
